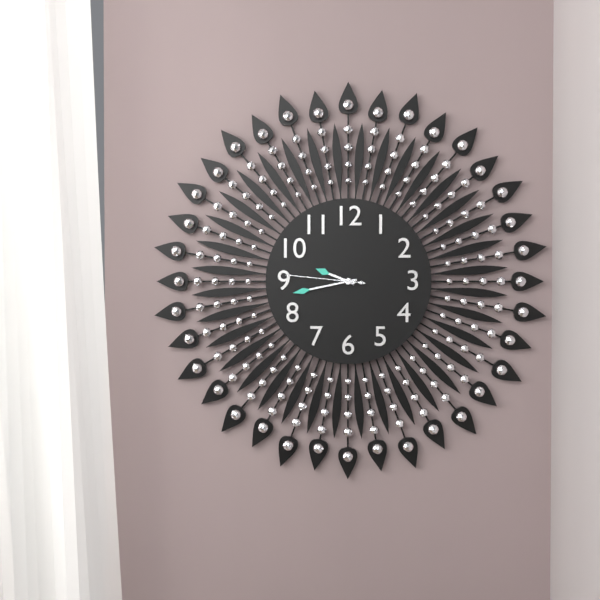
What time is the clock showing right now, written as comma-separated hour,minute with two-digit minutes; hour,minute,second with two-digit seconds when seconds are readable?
9,43,46
